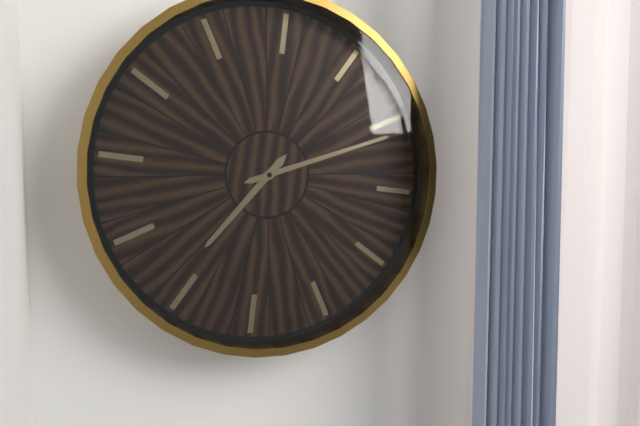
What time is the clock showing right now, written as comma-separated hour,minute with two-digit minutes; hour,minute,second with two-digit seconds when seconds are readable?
7,11
